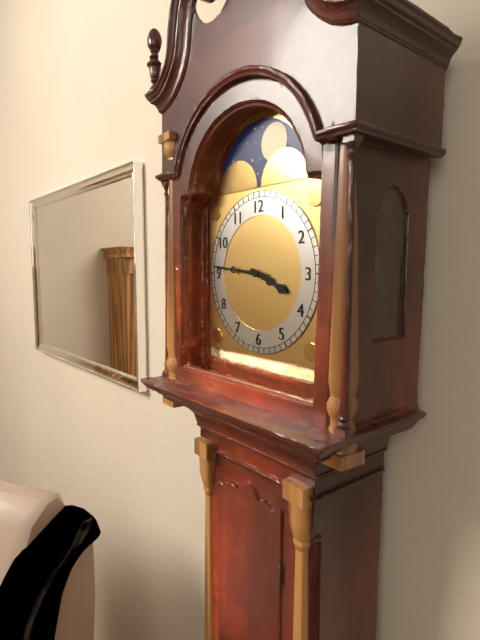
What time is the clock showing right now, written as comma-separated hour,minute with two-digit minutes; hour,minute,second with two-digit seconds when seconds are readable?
3,46
